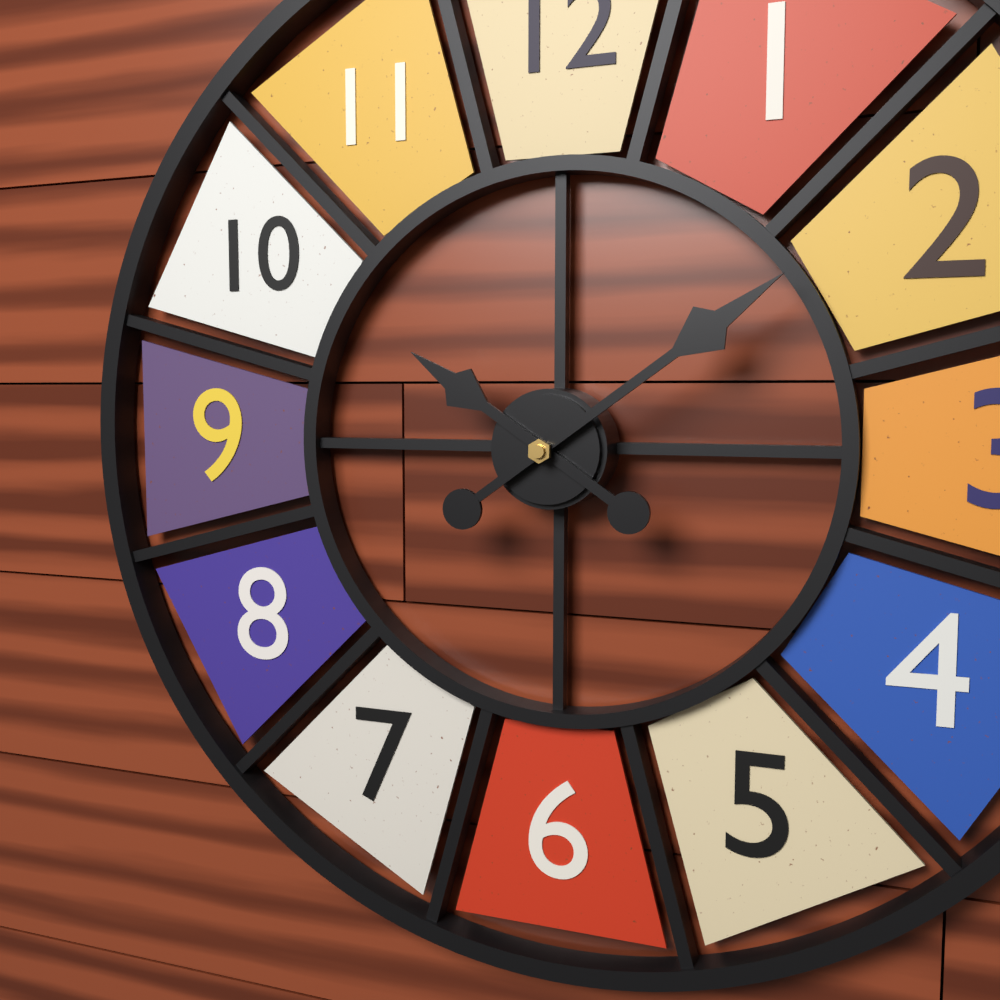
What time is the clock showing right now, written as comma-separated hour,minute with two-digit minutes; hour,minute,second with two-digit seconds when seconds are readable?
10,09
